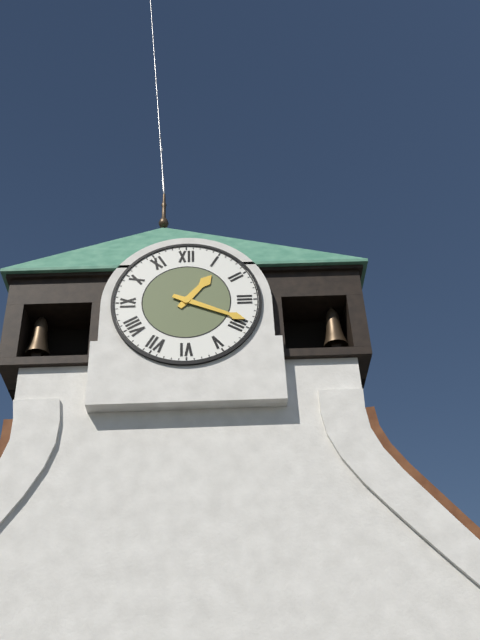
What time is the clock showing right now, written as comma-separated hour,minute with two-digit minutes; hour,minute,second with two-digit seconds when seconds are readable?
1,19
